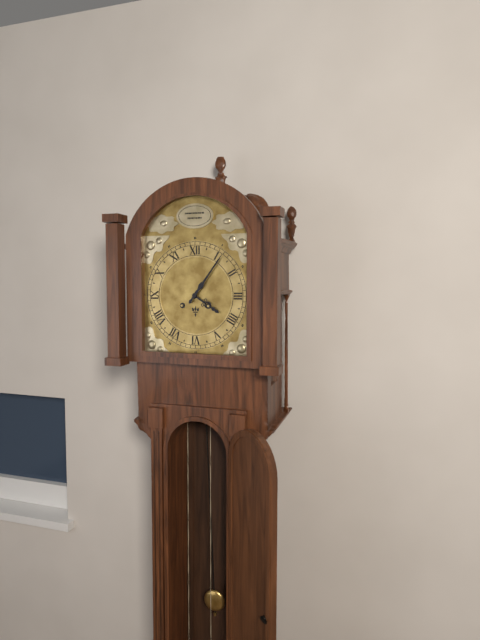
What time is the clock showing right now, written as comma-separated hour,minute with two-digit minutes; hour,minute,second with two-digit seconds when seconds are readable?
4,06
